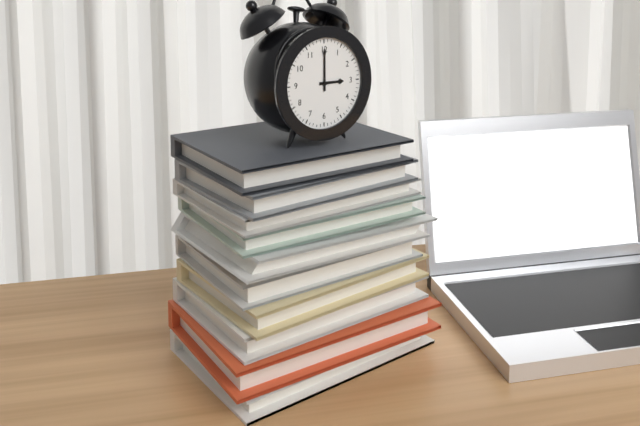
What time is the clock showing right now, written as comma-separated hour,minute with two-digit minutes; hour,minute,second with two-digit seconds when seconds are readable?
3,00
